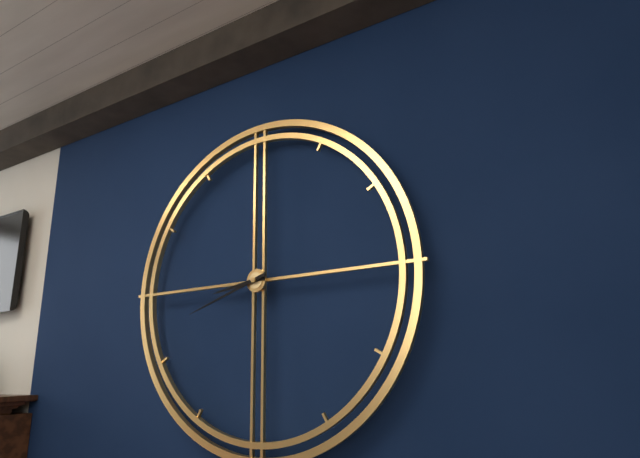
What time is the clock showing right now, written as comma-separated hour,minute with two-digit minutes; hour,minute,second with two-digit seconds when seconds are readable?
8,42
